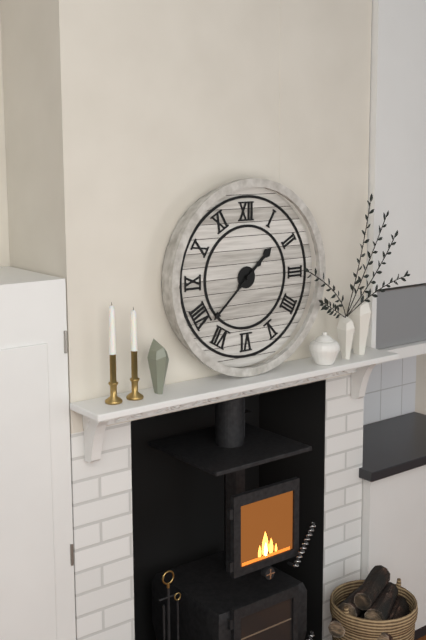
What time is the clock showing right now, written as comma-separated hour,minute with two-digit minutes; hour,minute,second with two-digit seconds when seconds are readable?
1,38
